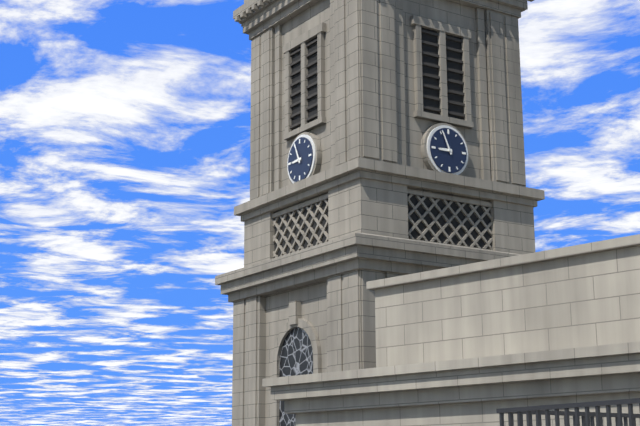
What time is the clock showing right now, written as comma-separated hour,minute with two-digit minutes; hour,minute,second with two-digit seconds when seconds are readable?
8,56
